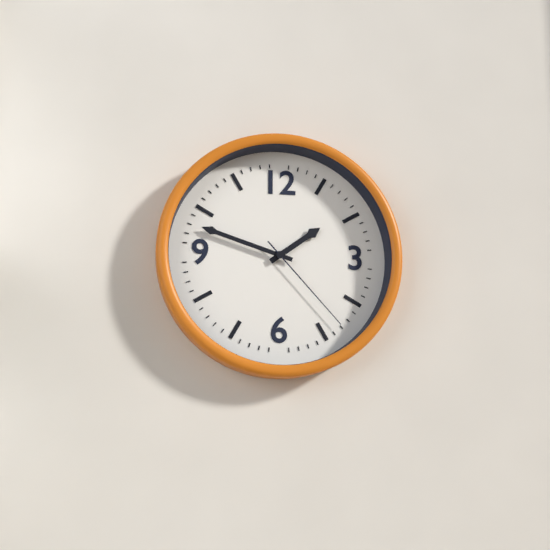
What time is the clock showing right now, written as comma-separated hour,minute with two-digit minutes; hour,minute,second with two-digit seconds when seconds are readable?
1,48,23
